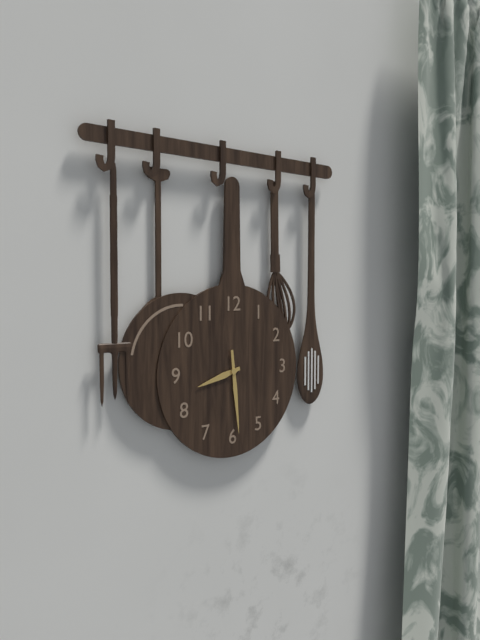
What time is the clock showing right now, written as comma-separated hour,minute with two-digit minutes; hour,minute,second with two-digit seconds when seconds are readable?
8,29
